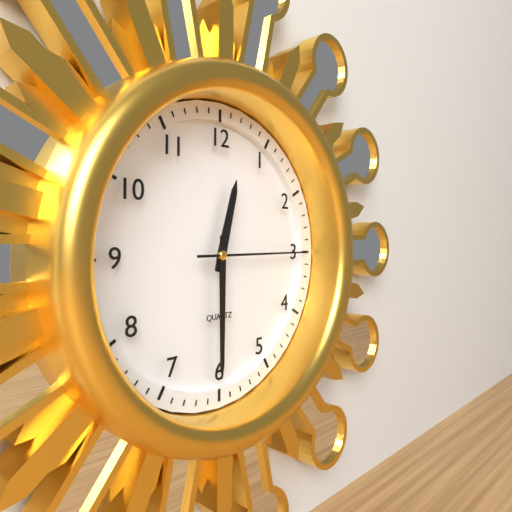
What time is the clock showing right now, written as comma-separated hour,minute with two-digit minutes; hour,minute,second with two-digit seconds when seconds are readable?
12,30,15
